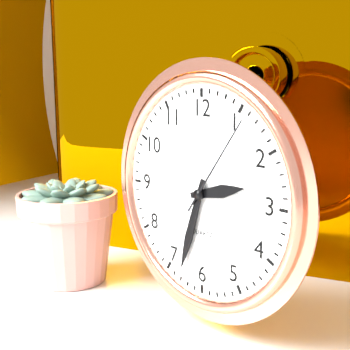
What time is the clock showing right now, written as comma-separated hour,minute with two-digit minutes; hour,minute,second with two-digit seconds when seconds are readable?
2,33,06
